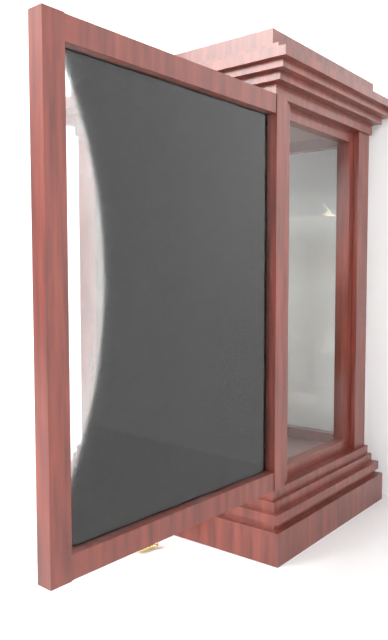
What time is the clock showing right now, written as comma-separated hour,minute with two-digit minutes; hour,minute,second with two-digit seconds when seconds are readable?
6,59
